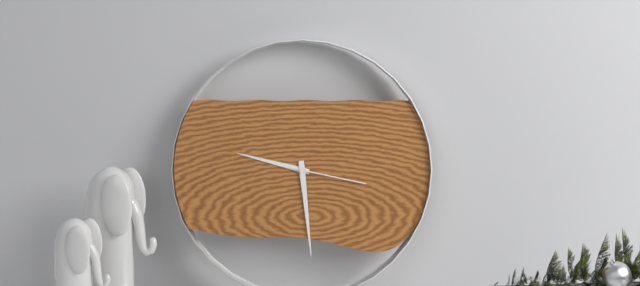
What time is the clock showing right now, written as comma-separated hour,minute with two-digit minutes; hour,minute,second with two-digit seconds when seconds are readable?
9,29,17
